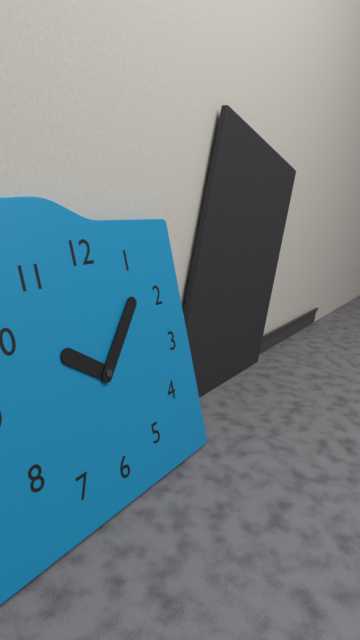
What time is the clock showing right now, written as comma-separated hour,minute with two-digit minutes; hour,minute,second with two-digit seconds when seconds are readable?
10,07
